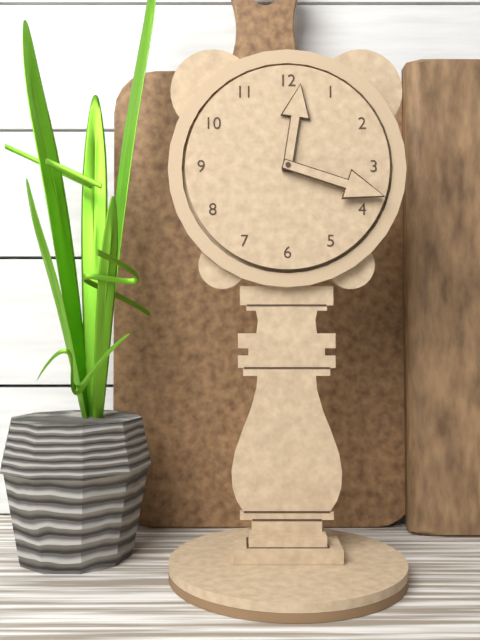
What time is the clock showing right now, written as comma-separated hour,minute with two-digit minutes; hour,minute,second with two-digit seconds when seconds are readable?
12,18
